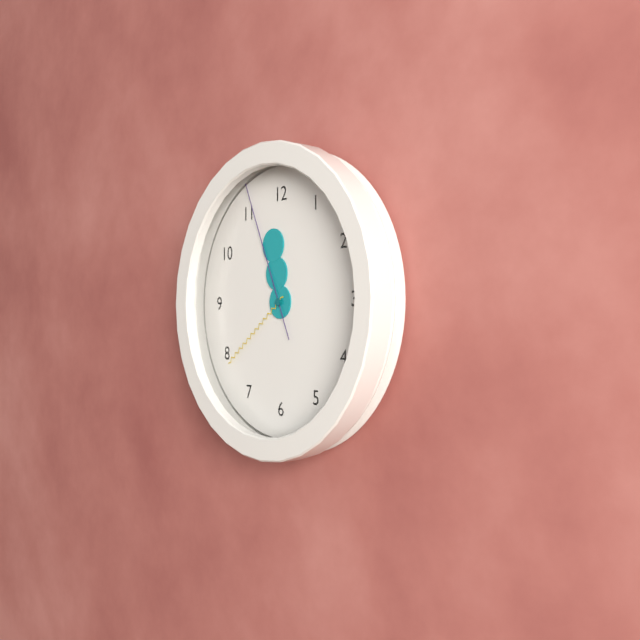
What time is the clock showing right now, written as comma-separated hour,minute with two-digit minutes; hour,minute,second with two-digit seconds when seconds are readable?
11,39,56
